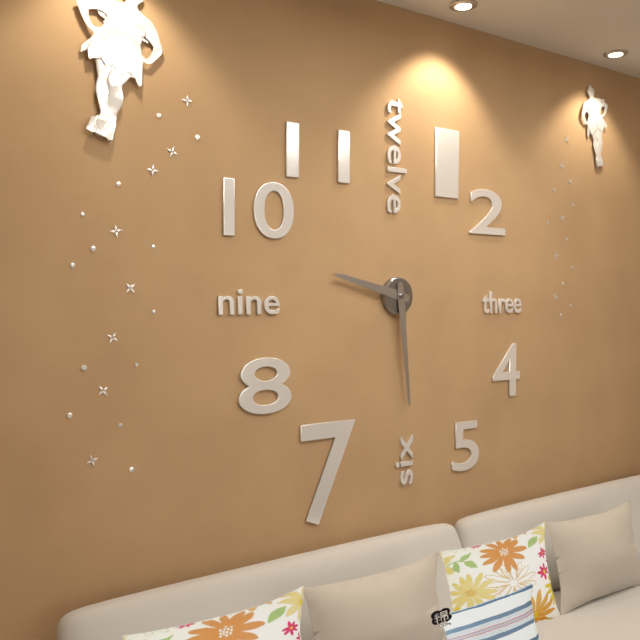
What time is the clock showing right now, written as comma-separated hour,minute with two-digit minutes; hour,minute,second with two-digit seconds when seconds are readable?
9,29
